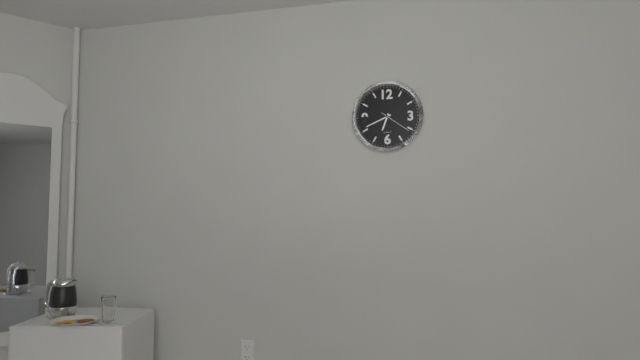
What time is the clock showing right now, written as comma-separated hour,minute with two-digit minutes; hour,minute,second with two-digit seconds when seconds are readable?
6,41
